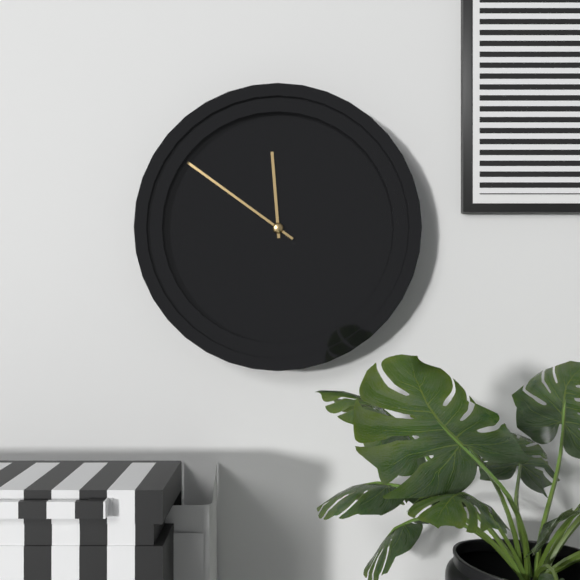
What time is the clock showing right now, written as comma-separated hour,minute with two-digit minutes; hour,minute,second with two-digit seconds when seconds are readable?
11,51
